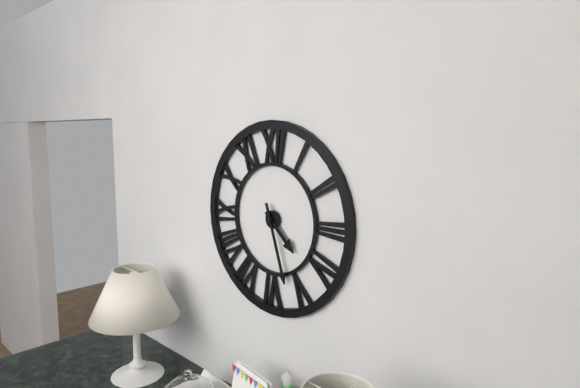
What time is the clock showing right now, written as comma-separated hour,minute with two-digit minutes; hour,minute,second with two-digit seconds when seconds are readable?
4,27
